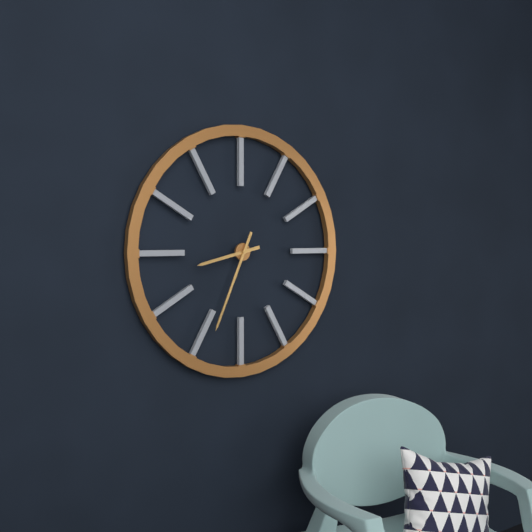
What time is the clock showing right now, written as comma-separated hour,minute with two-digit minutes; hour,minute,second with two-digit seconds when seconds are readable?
8,34
